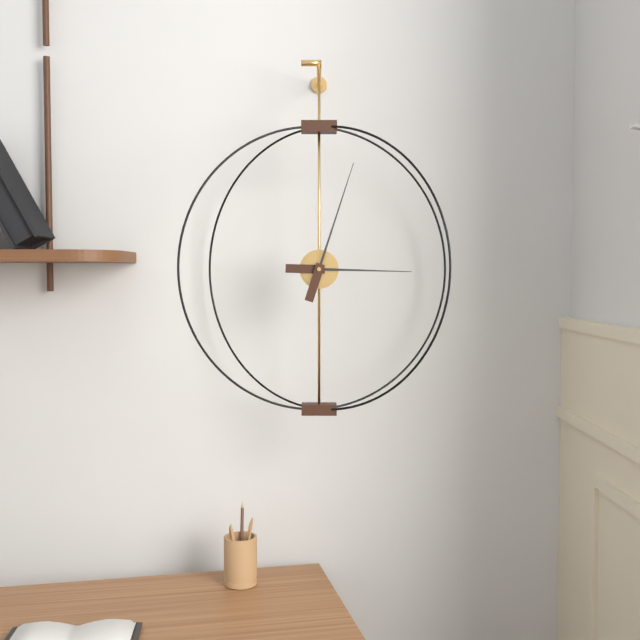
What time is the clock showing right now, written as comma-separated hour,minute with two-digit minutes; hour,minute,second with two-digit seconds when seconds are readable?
3,03
